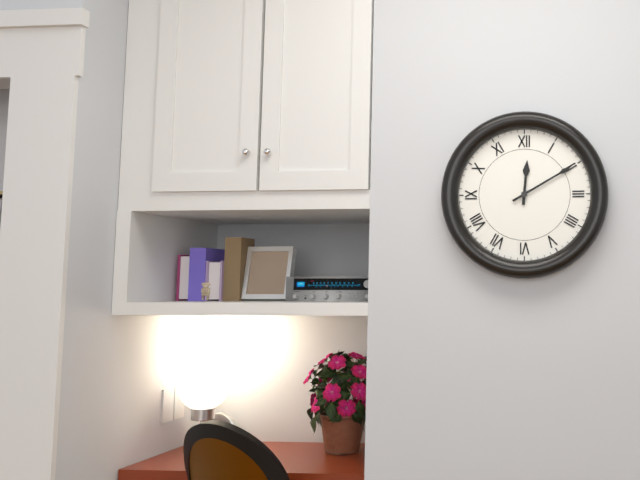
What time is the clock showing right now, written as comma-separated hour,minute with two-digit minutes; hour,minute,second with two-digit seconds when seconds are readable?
12,10
